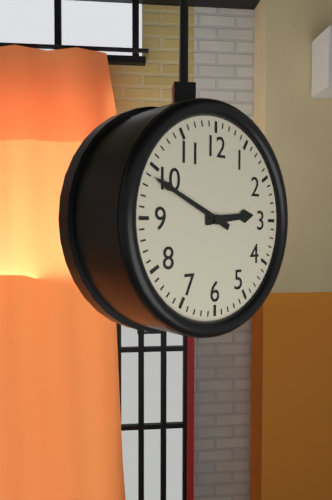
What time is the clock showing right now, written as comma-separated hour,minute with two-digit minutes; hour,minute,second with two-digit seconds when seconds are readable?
2,49
